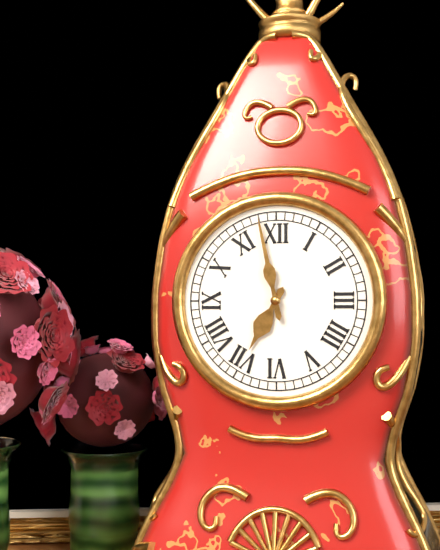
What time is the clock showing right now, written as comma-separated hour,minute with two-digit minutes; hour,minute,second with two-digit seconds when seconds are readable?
6,58
